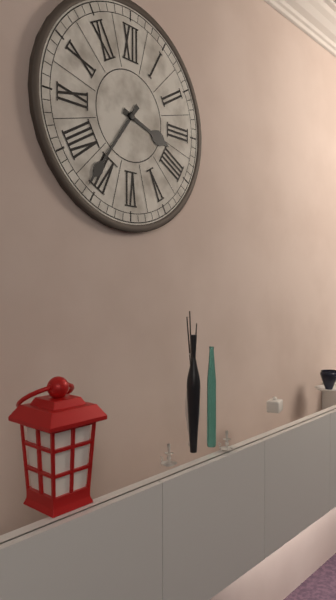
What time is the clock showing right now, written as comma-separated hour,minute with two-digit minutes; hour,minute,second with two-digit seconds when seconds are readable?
3,36
